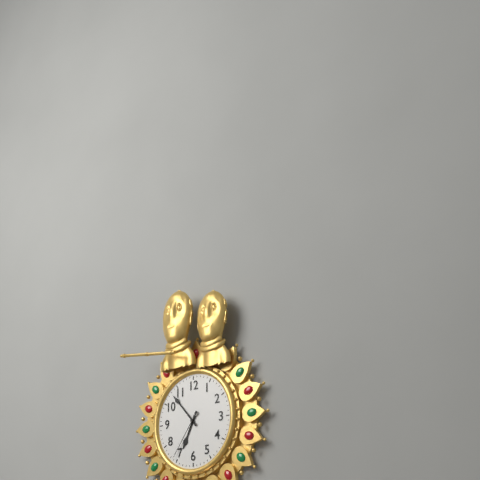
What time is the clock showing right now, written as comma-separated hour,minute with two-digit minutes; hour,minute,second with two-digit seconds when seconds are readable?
6,53,36
